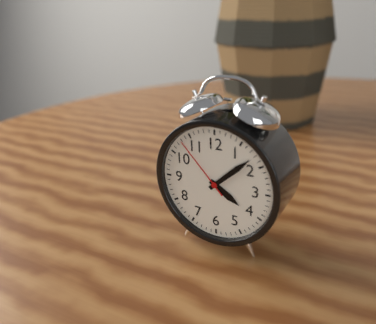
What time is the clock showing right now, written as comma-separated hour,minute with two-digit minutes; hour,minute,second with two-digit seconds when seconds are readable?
4,08,53
